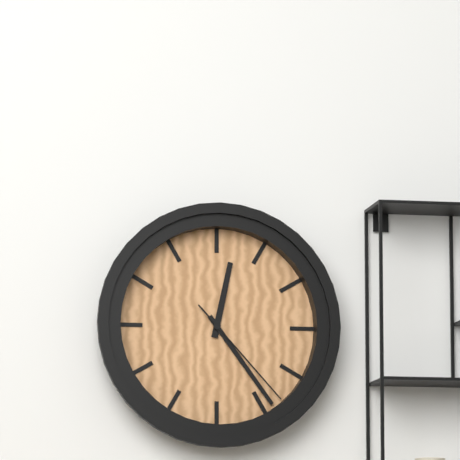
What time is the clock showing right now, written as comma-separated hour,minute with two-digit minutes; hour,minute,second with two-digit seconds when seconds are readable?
12,24,23
